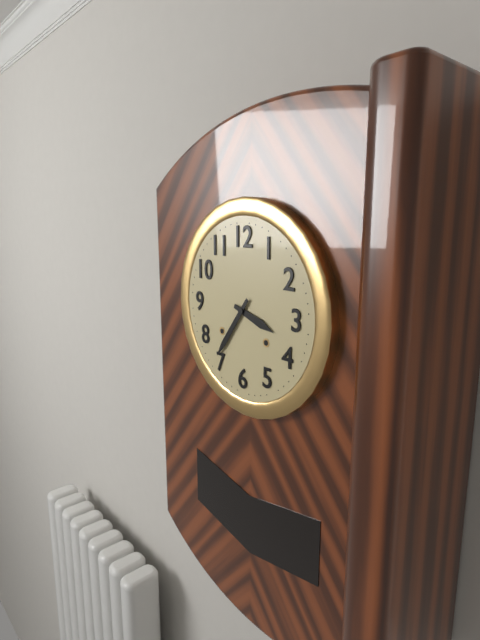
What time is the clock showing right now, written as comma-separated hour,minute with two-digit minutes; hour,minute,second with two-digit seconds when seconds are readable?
3,36
